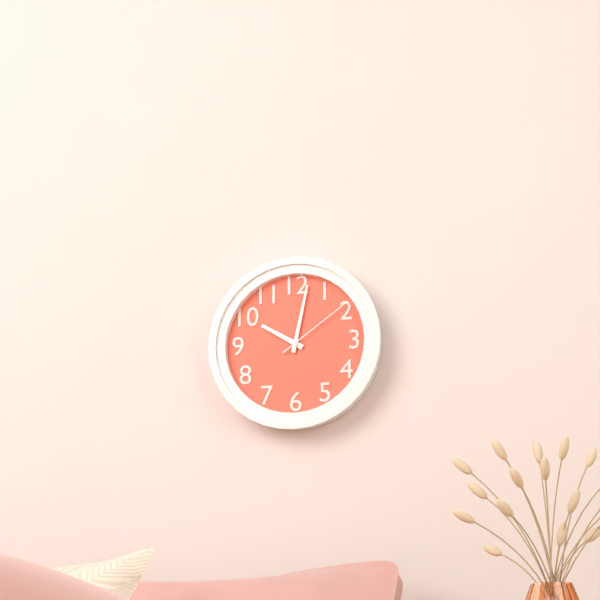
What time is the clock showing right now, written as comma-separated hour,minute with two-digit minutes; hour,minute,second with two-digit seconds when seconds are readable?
10,02,09
